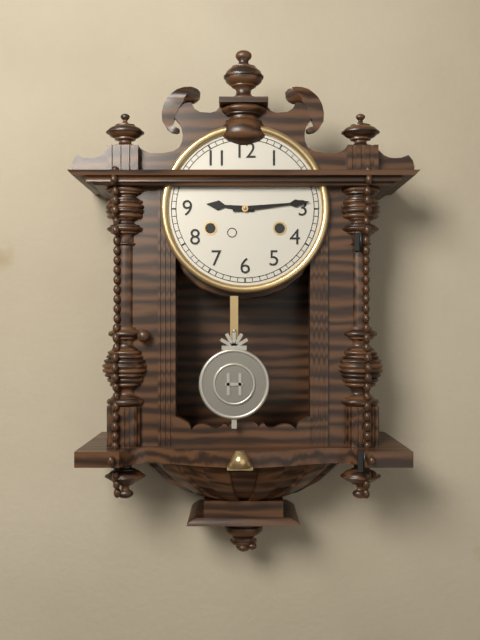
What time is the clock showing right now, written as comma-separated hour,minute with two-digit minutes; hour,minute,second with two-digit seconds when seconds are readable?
9,14
